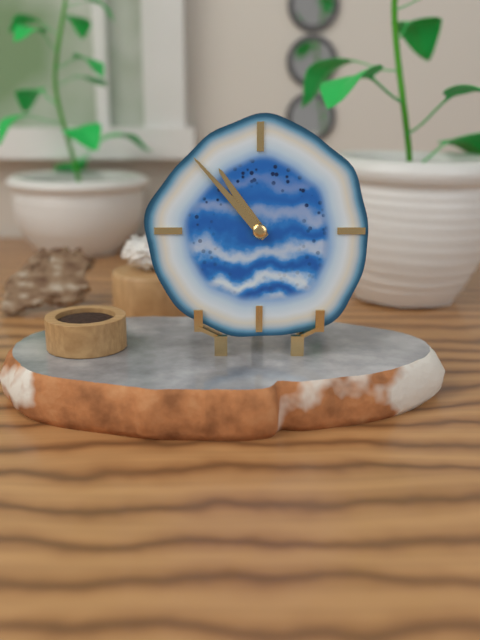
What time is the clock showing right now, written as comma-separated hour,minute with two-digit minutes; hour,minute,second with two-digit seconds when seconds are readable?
10,53
